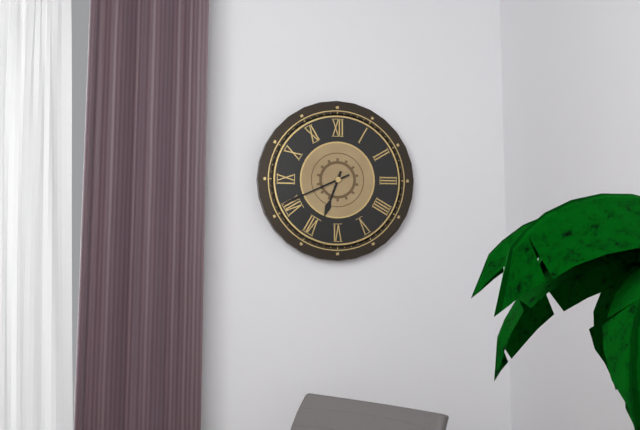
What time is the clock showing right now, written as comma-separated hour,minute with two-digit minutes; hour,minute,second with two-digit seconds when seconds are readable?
6,41
